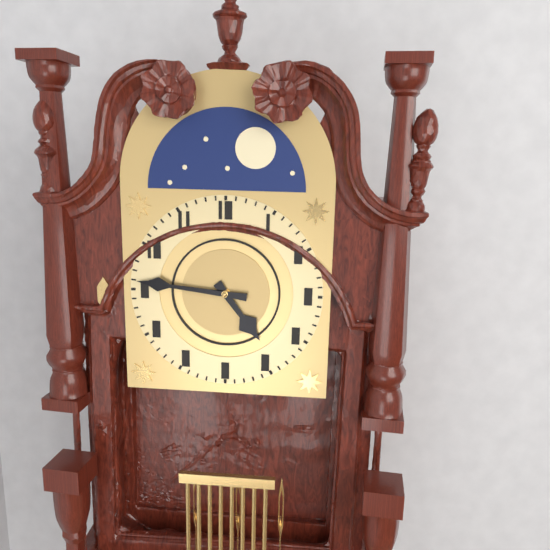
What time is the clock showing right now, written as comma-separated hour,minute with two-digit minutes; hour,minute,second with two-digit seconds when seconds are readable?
4,46
